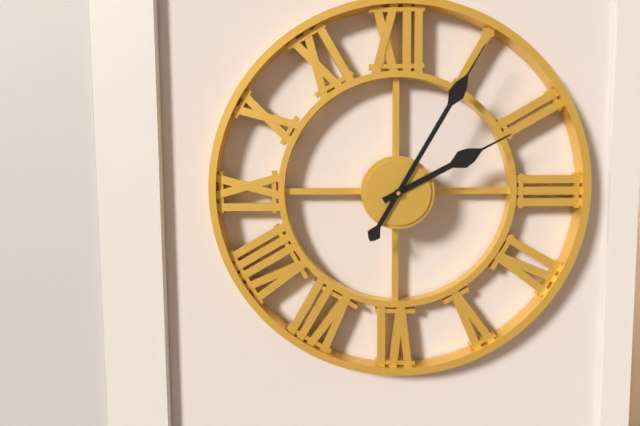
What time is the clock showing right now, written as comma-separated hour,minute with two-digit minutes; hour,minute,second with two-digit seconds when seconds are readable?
2,05
